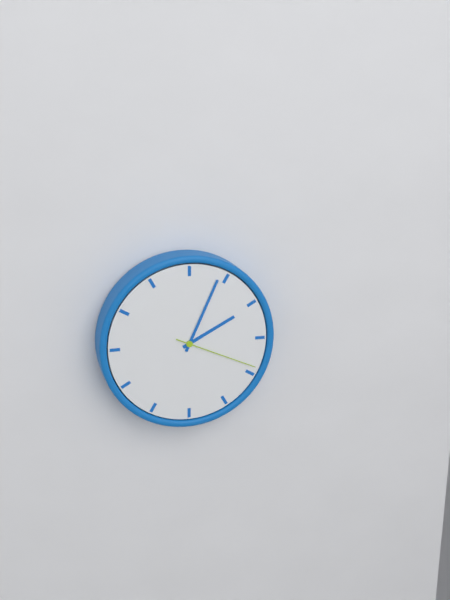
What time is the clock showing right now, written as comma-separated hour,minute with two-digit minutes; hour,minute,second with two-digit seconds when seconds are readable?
2,04,19
